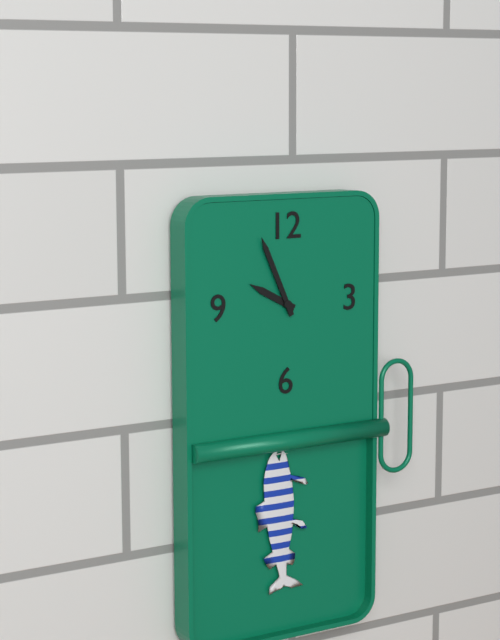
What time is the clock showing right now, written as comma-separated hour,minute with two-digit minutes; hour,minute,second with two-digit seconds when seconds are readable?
9,56
